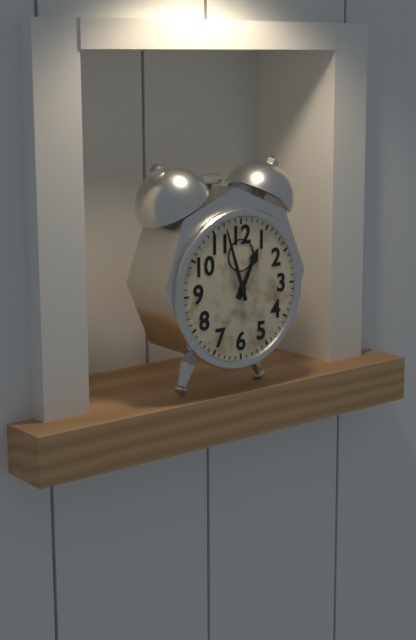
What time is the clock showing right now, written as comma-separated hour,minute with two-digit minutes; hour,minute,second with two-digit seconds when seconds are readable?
12,57
